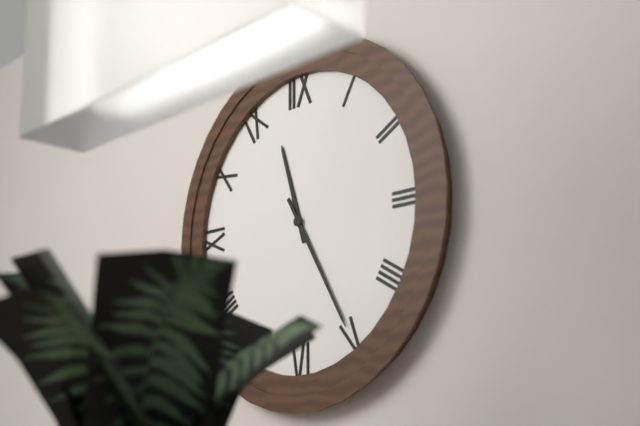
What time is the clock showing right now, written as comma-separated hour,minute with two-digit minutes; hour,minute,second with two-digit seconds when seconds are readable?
11,25
